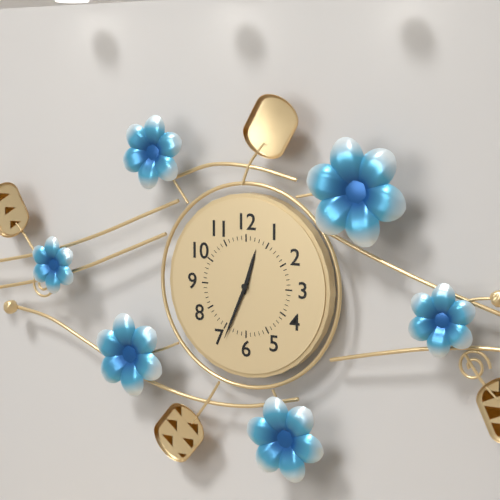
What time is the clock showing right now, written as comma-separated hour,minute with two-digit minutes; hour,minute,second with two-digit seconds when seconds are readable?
12,34
